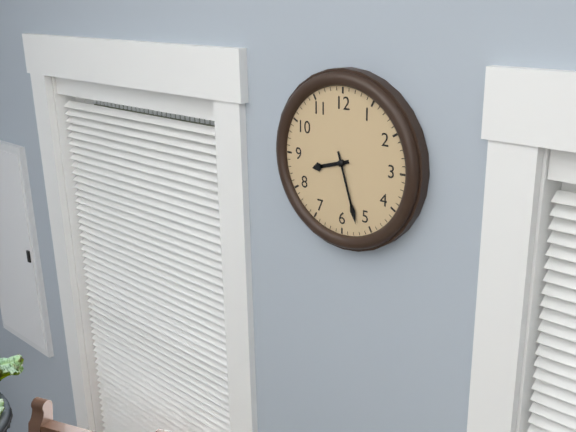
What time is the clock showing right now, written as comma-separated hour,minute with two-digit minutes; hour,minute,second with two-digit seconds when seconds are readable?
8,27
